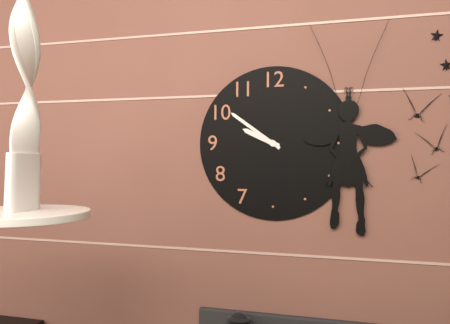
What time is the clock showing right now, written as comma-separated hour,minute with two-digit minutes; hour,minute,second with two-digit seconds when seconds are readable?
9,51
